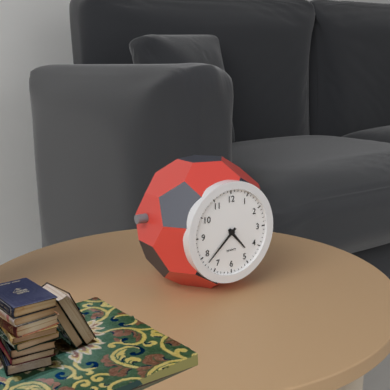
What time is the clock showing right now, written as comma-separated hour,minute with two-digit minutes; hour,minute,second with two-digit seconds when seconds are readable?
4,38
